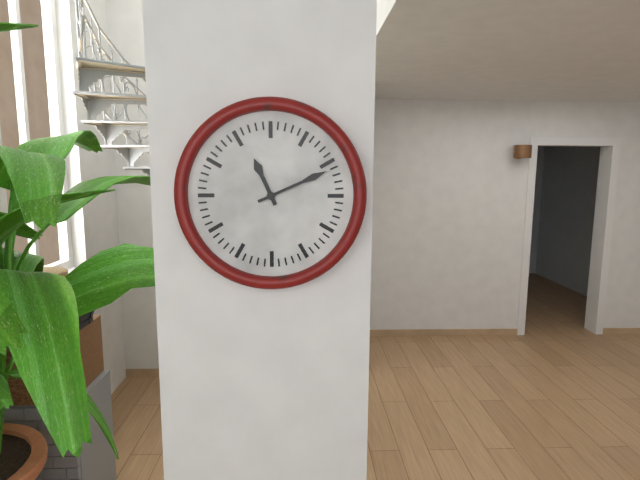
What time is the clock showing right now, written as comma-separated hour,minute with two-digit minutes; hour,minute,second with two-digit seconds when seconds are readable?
11,11
